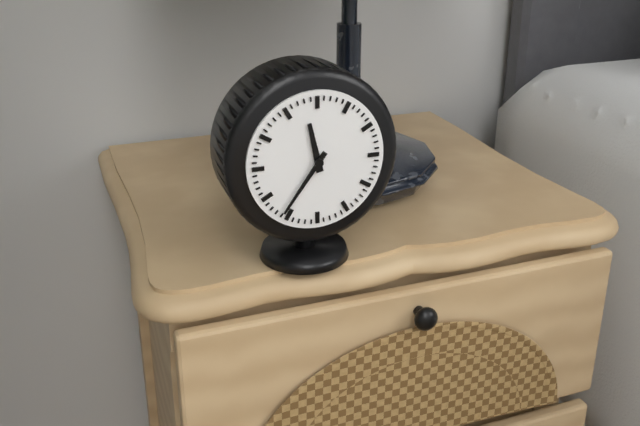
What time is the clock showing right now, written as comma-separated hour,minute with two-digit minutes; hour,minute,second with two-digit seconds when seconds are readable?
11,36
